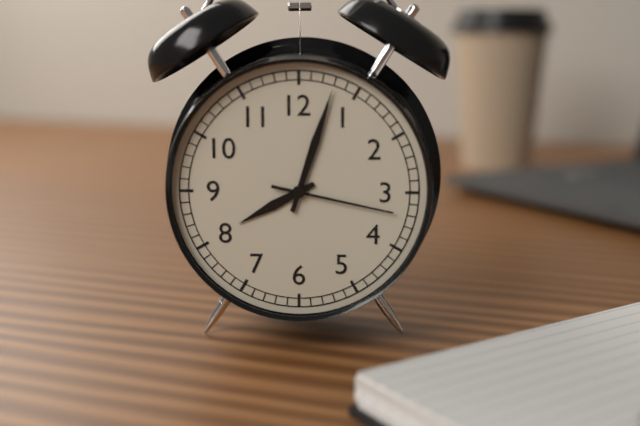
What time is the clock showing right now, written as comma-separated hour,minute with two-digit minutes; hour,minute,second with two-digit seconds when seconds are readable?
8,03,17
